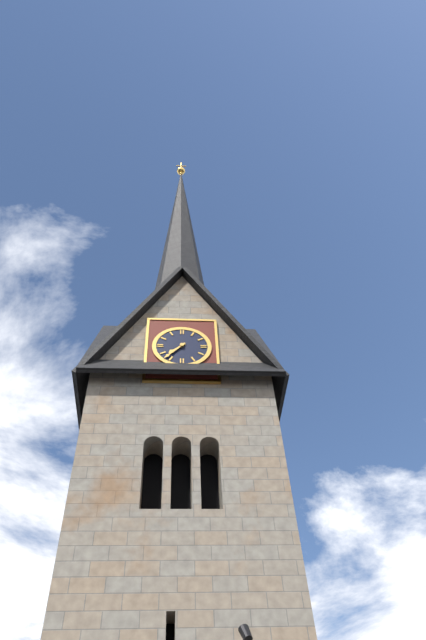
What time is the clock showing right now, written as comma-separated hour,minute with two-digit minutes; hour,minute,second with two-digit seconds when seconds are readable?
7,37
